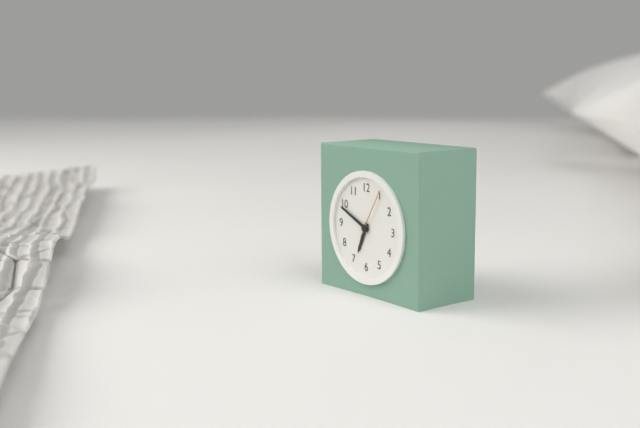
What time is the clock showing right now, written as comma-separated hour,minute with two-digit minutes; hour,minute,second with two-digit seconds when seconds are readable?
6,49,05
